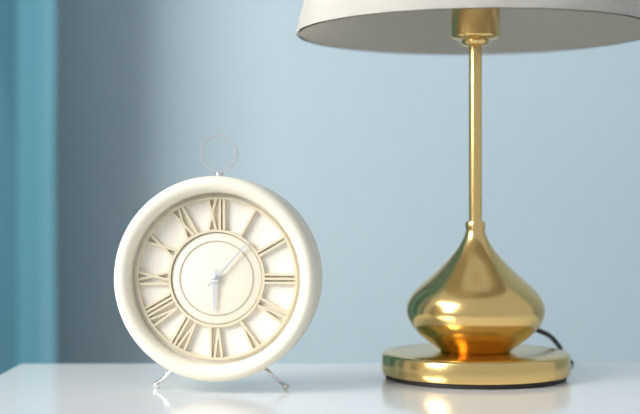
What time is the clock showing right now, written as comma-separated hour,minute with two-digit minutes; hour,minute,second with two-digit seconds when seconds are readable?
6,07
